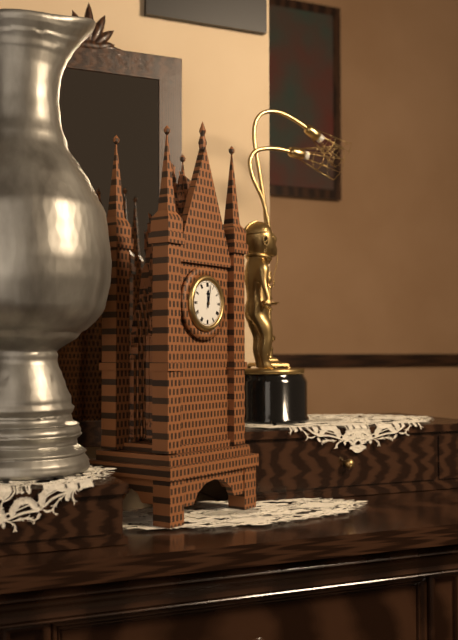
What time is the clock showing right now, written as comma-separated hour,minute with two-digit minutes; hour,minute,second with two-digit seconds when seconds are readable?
12,02
